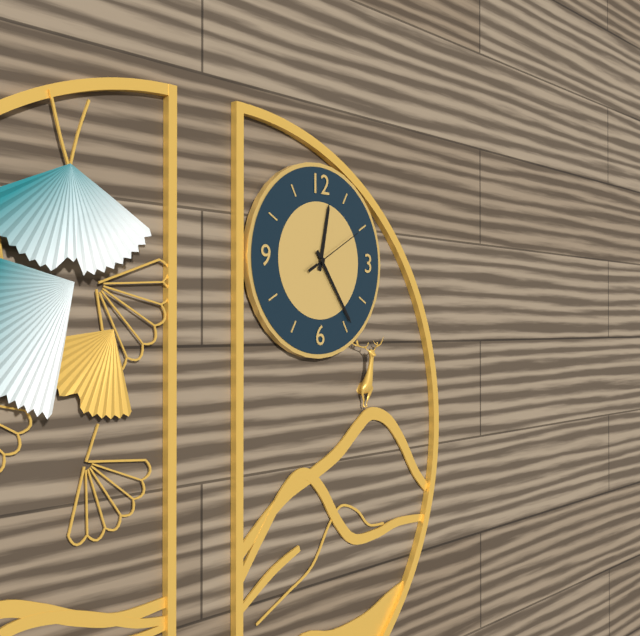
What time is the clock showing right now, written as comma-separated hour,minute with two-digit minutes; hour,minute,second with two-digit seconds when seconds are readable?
12,24,10
